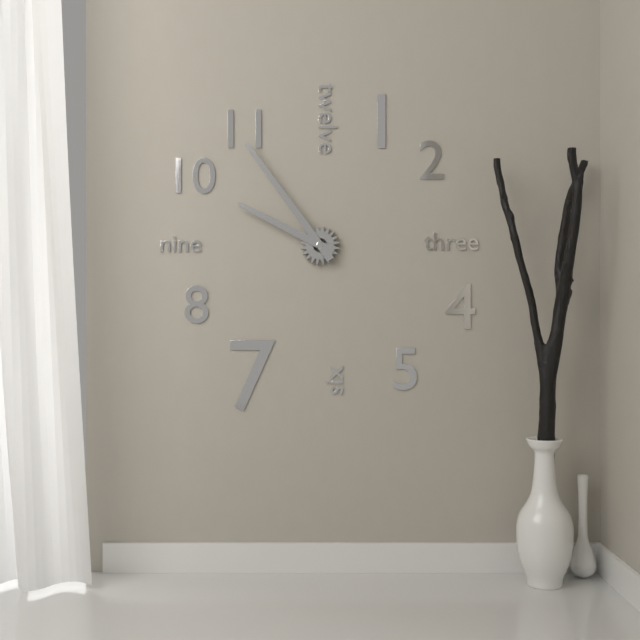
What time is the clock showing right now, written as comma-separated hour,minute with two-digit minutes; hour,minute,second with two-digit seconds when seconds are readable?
9,54
